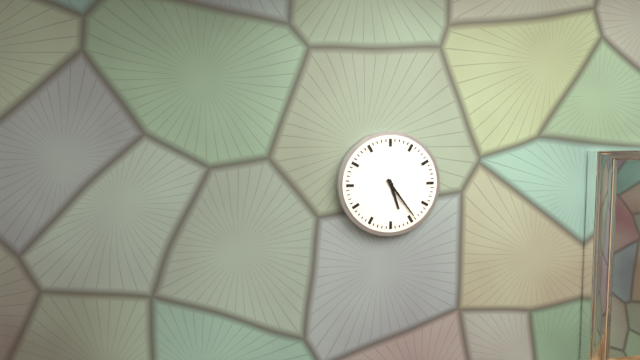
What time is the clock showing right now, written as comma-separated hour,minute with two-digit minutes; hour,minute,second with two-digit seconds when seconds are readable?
5,24
